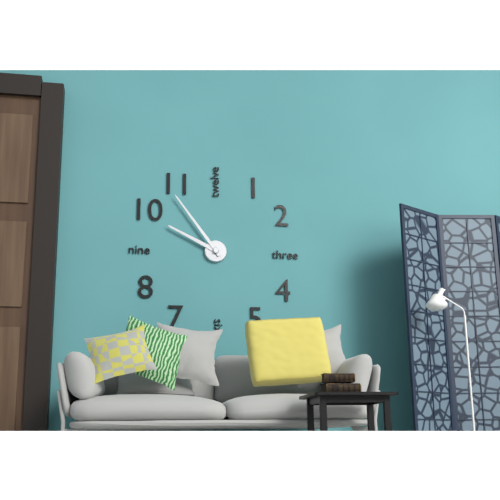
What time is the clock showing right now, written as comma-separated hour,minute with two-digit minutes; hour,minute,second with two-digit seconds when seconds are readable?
9,54
